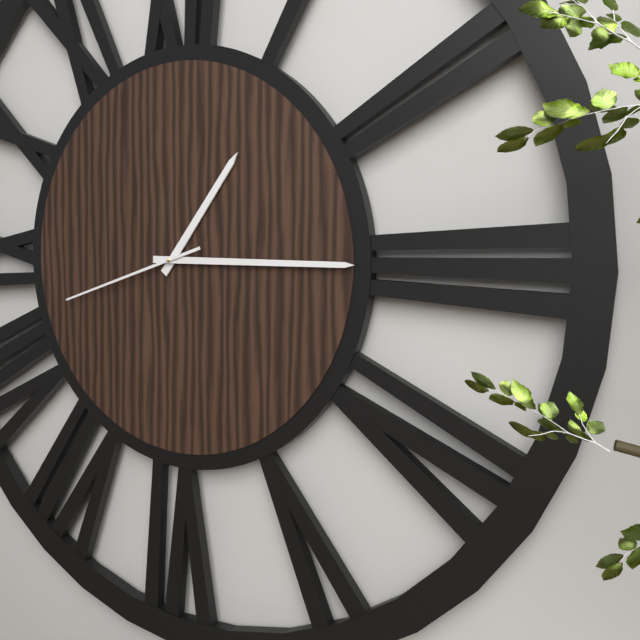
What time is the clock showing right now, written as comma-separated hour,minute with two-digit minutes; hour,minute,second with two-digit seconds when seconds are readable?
1,15,42
